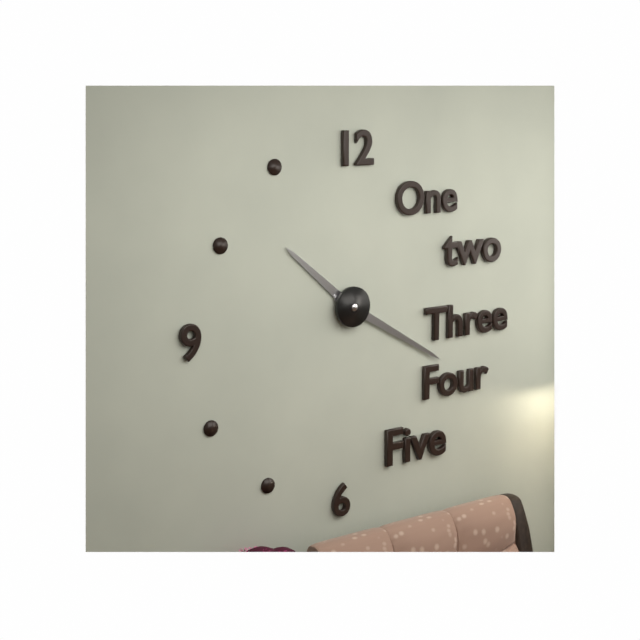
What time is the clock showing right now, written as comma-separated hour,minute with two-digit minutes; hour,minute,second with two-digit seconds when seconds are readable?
10,20
